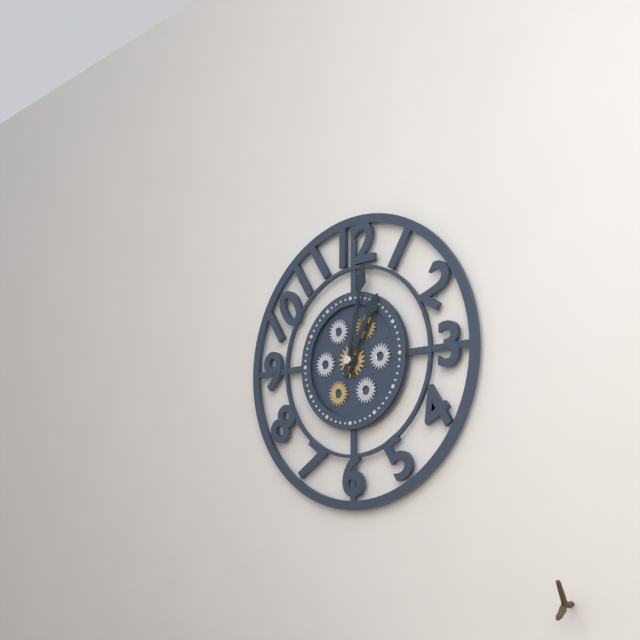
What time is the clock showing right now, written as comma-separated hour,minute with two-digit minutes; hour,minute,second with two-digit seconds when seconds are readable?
1,02
